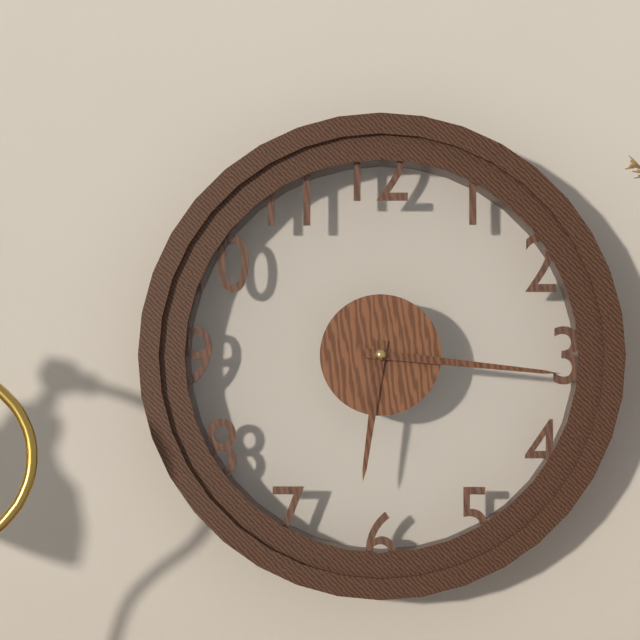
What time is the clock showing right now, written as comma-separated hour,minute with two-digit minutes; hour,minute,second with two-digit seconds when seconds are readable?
6,16
